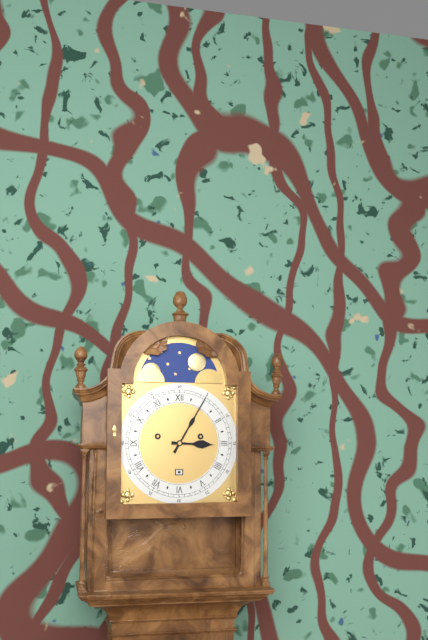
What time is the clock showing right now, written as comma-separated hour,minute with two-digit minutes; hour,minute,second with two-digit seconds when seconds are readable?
3,05
